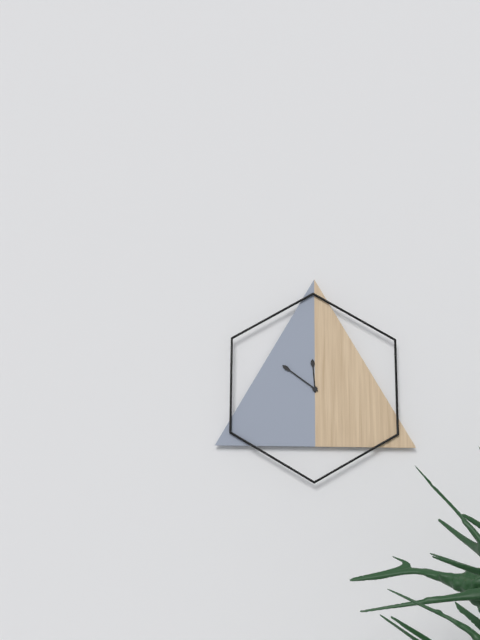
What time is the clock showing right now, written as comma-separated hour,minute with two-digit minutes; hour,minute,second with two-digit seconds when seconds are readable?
11,51
